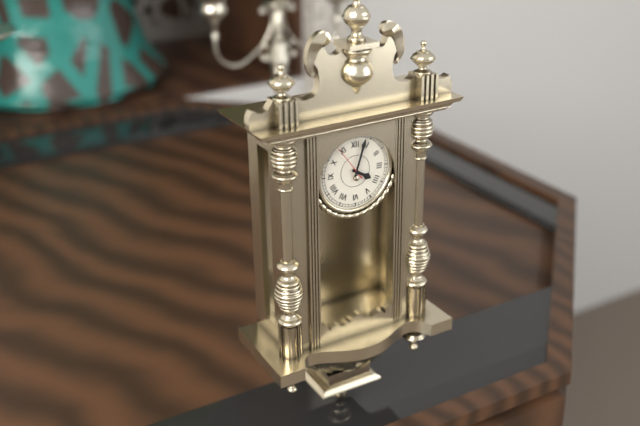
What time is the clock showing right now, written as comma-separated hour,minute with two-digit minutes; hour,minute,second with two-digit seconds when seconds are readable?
4,03
